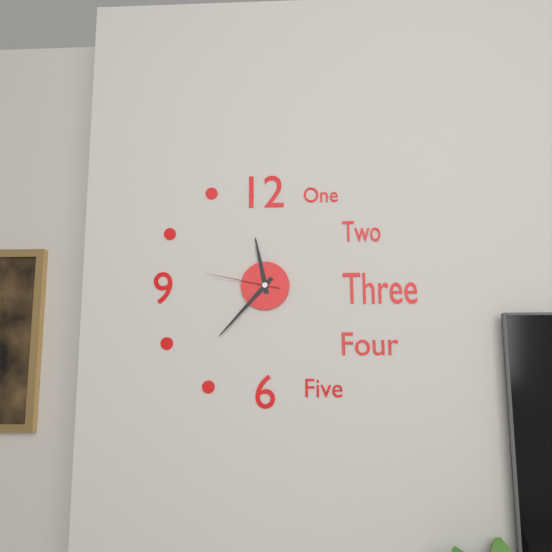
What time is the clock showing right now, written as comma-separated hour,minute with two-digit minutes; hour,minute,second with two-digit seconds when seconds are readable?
11,37,47
